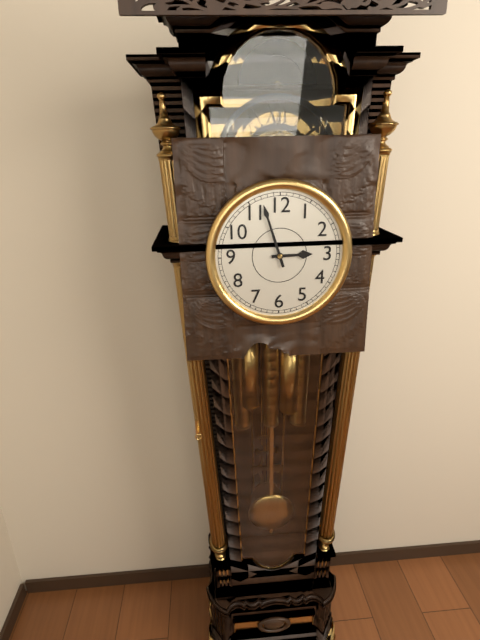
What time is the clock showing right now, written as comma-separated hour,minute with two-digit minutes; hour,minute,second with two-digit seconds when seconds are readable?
2,57
